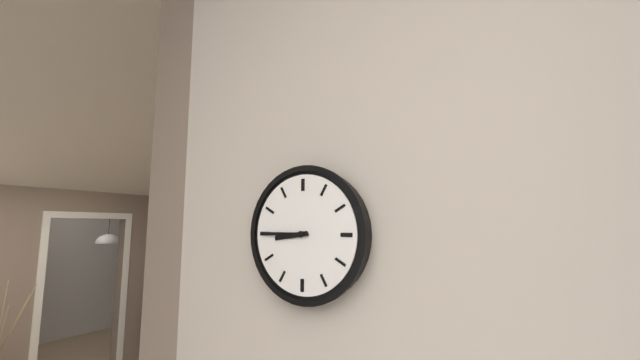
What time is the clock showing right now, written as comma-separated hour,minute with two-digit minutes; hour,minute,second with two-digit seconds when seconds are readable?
8,45
